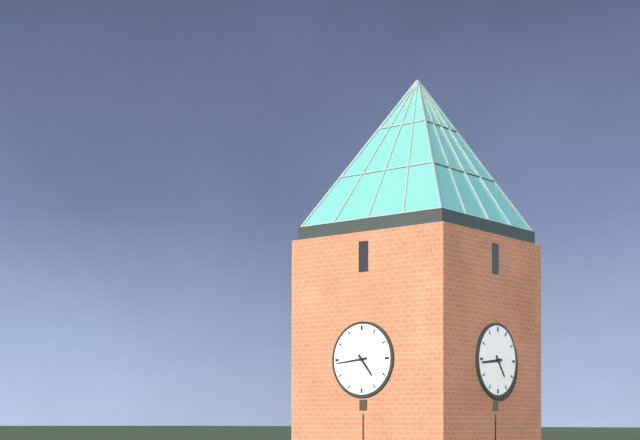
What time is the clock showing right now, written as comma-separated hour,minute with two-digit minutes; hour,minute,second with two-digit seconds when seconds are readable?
4,44
